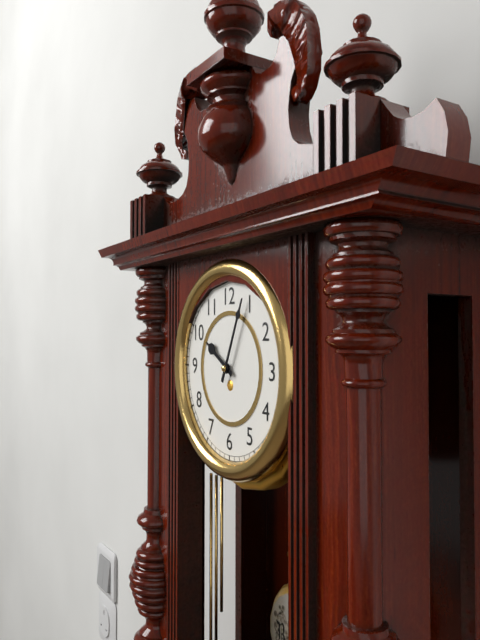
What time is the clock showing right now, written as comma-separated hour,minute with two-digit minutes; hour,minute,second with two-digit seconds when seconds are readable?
10,04
